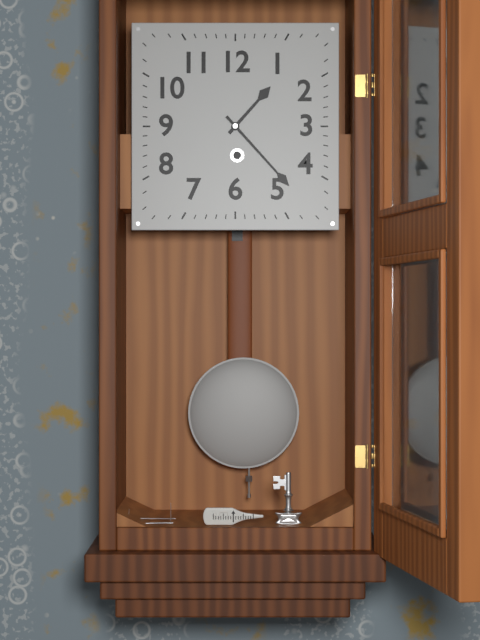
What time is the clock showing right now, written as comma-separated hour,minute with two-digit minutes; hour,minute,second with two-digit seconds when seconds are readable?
1,23
